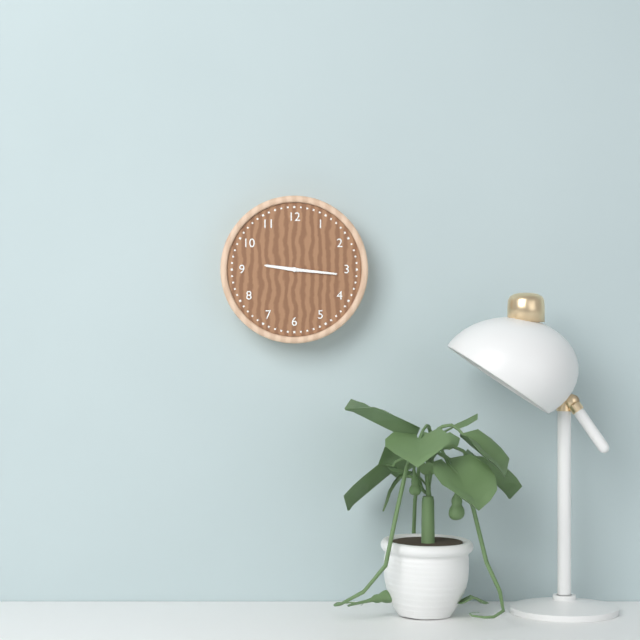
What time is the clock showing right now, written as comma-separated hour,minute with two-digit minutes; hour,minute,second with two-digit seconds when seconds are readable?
9,16
